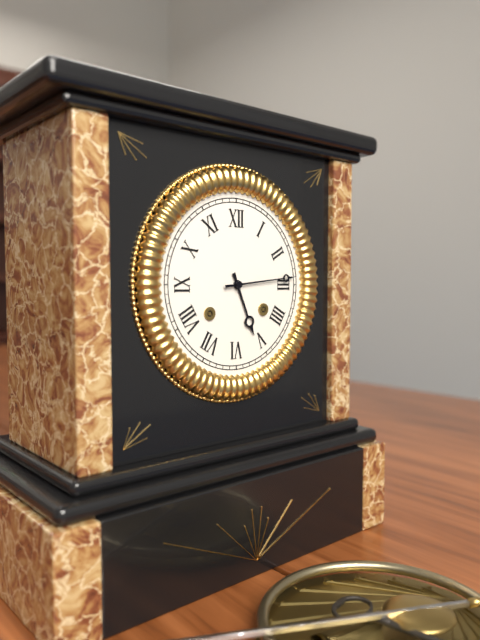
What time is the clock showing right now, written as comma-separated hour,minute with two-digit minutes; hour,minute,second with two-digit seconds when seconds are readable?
5,14
